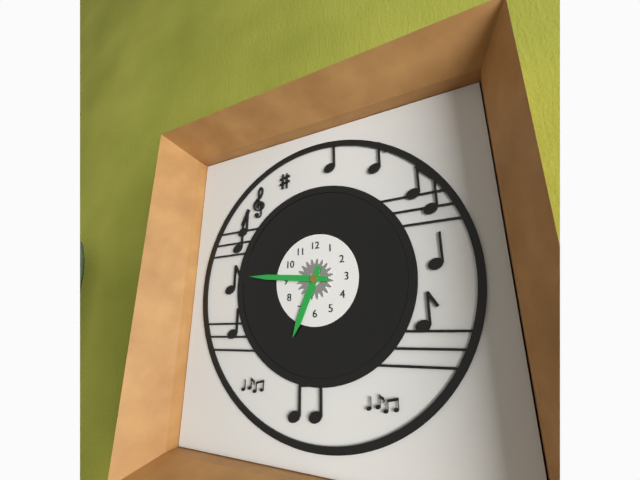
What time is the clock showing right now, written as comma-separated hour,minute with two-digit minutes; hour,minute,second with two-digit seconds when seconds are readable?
6,46
